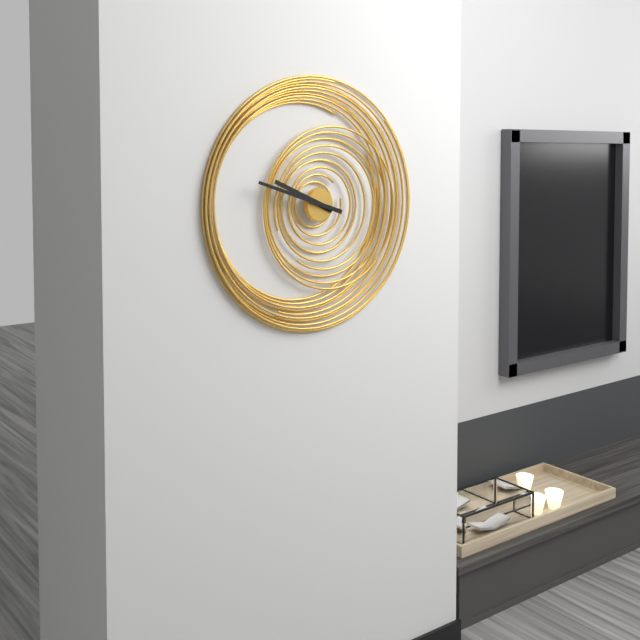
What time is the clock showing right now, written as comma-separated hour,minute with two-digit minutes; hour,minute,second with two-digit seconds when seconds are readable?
9,48
